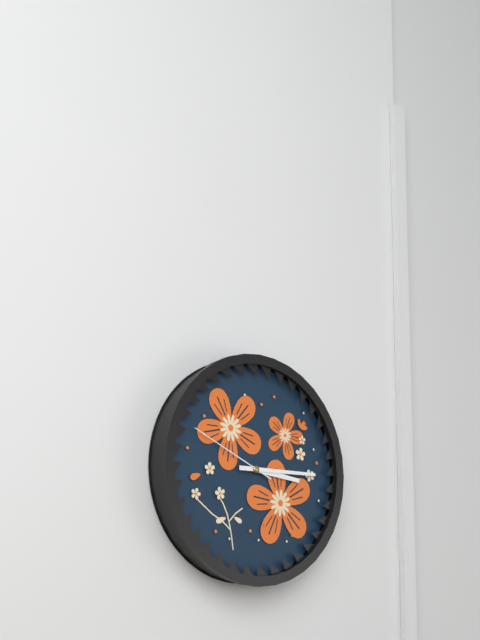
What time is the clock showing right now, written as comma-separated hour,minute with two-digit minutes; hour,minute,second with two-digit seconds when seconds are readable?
3,15,49
